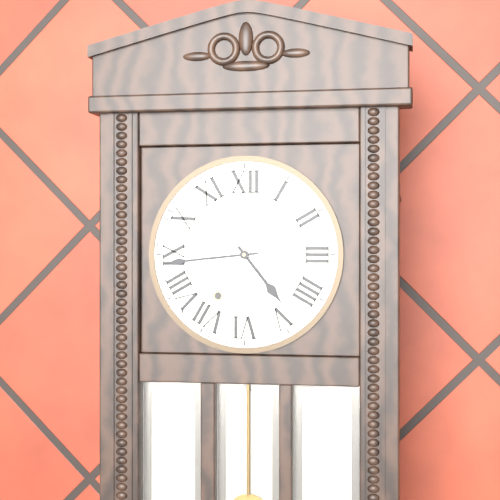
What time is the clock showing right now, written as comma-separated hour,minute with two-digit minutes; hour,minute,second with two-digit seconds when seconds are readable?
4,44
